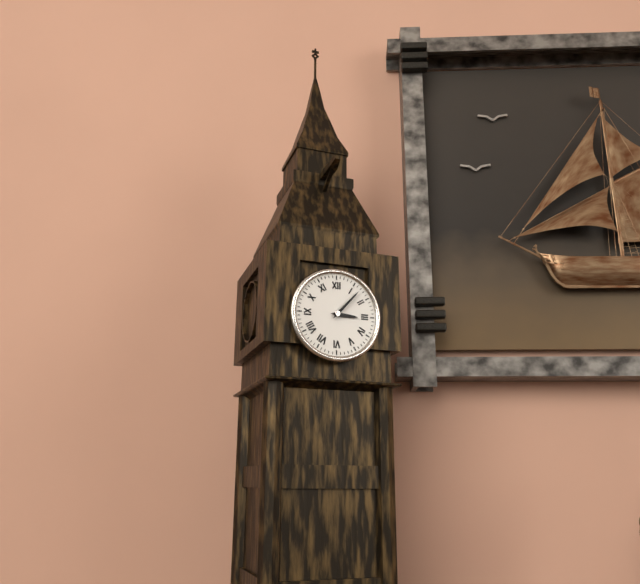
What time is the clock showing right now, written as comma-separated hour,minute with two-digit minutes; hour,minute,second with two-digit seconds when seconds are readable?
3,07
